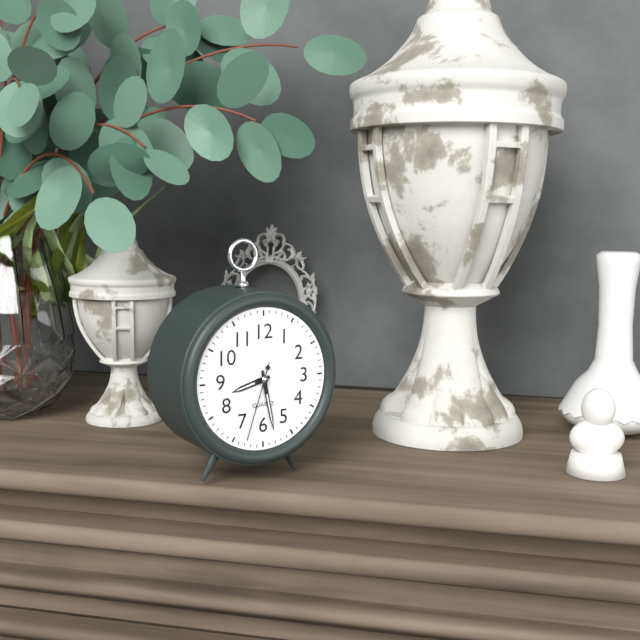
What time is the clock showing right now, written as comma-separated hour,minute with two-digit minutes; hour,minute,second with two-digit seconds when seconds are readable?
8,28,33
